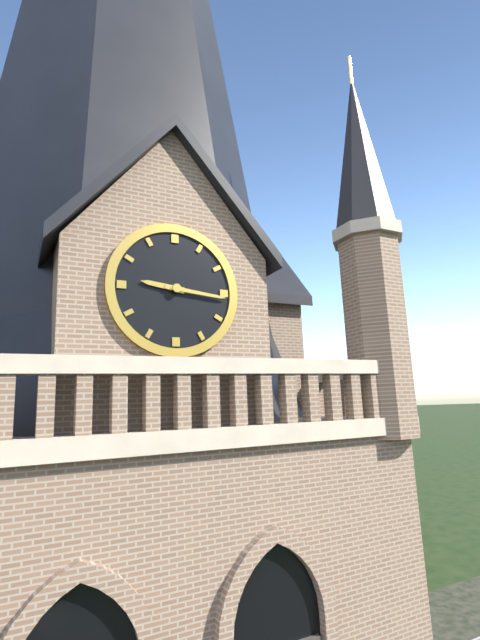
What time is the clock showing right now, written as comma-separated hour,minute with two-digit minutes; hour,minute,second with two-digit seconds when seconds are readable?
9,16
